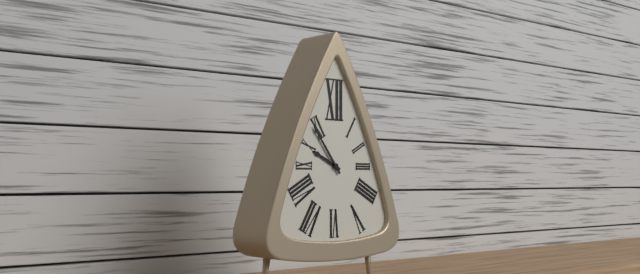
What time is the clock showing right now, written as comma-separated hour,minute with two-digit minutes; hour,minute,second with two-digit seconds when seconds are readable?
9,54
